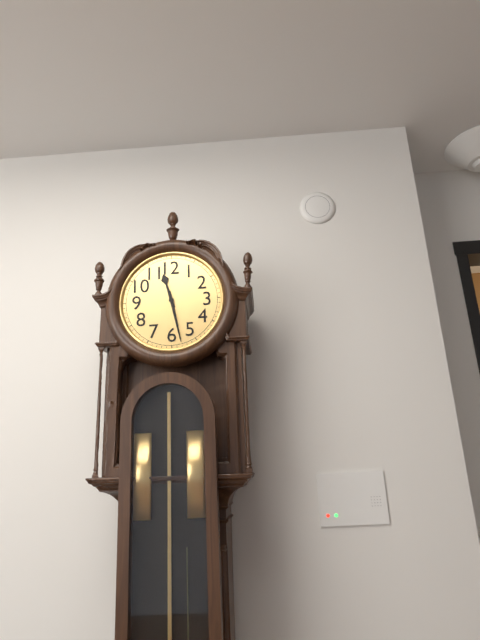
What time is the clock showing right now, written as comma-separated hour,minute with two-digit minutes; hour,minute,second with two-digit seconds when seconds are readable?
11,28
